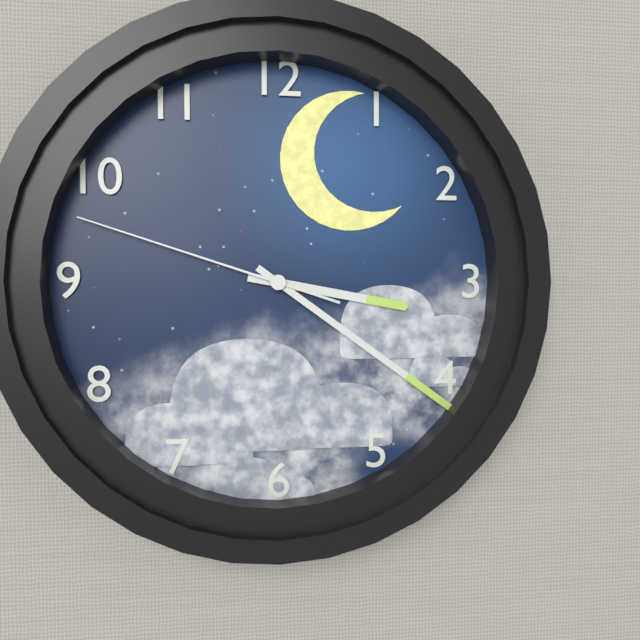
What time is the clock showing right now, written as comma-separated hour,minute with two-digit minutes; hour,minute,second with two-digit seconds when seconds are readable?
3,21,48
